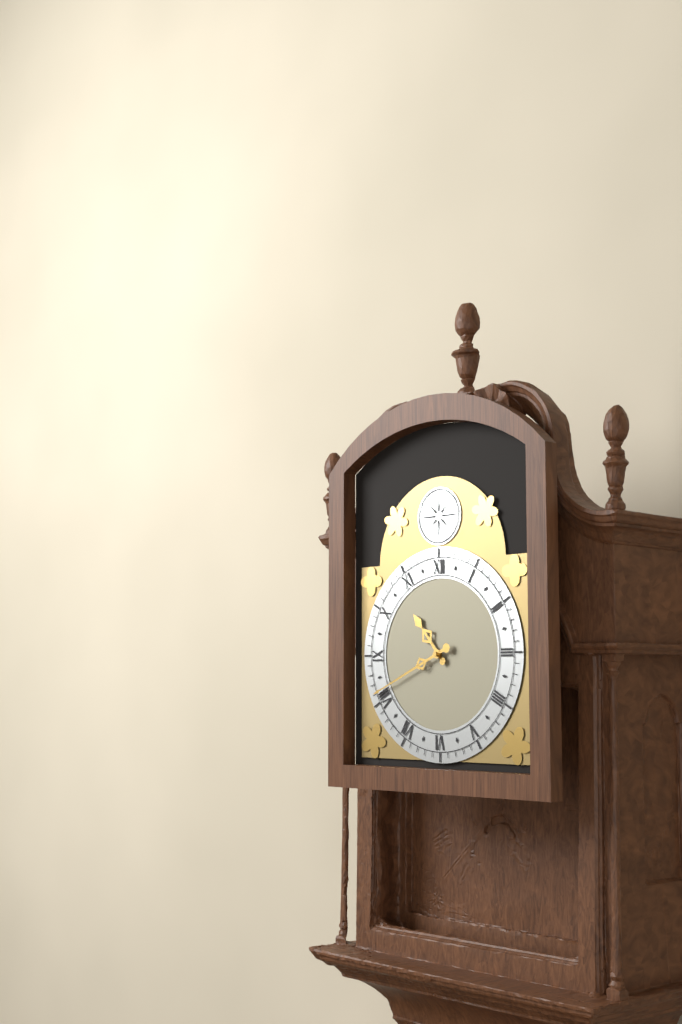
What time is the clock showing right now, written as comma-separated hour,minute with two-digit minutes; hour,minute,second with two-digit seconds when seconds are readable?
10,41
